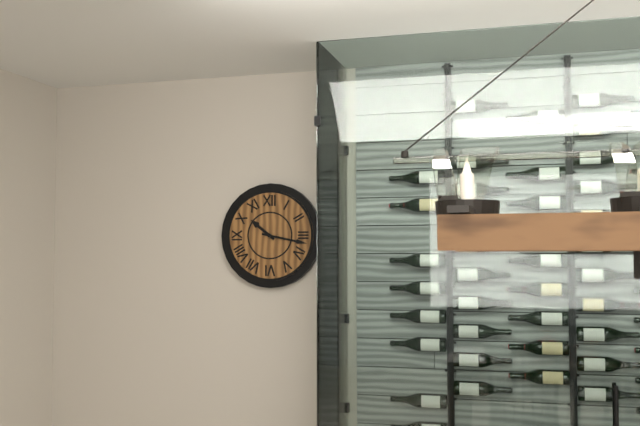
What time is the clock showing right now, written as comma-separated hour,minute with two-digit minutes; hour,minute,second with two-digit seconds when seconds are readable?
10,17
